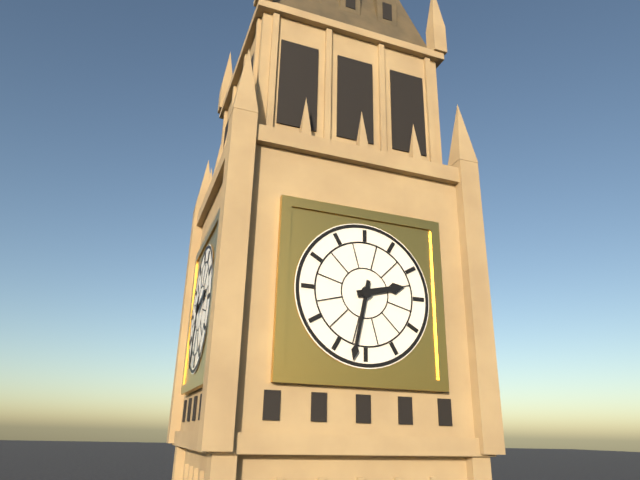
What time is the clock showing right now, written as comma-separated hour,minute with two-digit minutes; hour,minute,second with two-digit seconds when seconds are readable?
2,32
